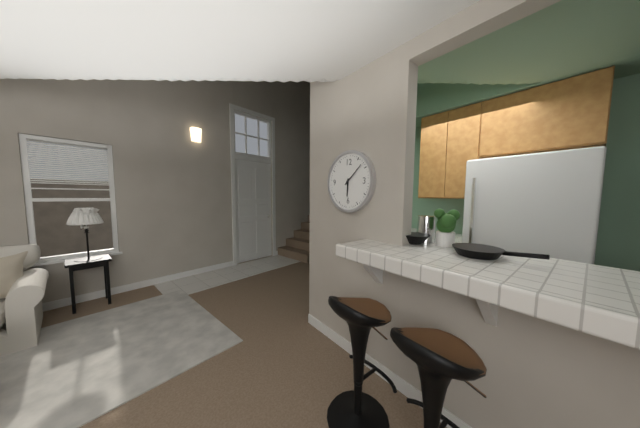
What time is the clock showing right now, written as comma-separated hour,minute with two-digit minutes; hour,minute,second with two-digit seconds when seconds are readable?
6,08
